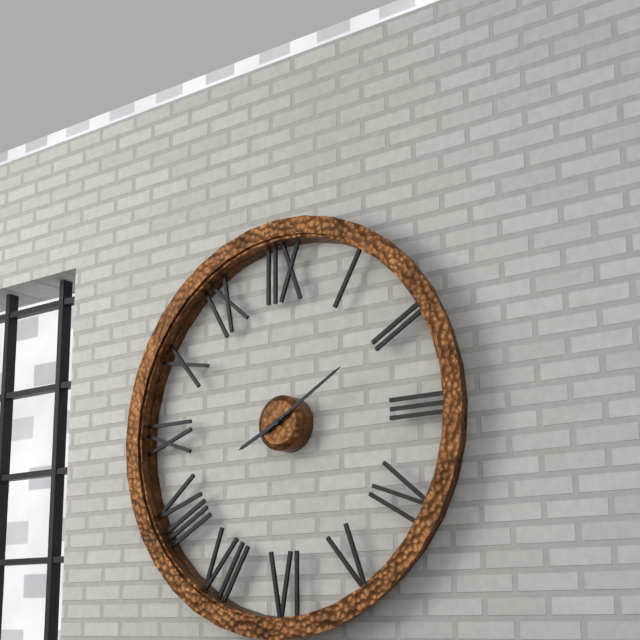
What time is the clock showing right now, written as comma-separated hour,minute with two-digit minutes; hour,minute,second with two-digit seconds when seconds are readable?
8,10
